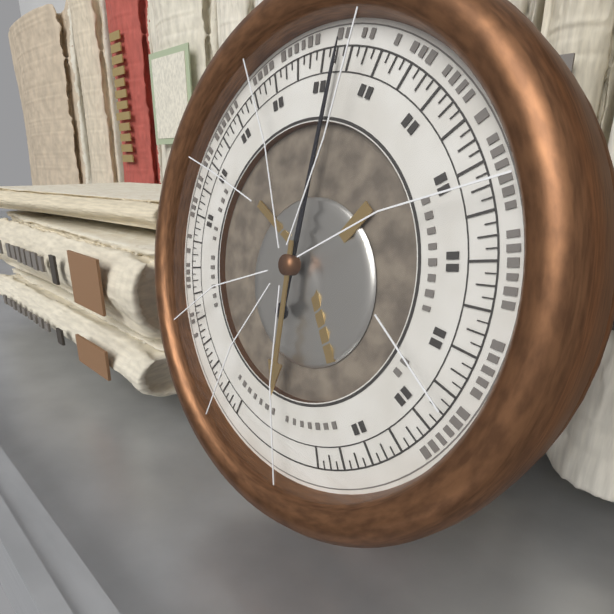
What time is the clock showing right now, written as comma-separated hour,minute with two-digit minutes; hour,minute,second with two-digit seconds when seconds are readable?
6,01
